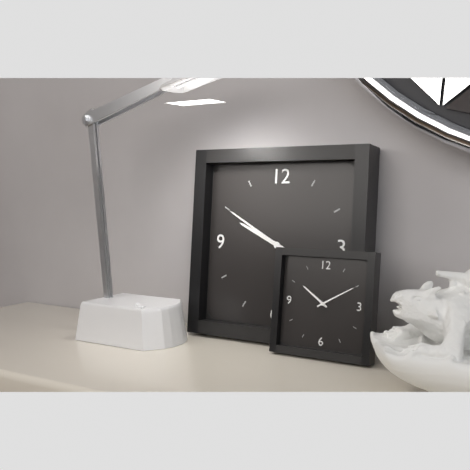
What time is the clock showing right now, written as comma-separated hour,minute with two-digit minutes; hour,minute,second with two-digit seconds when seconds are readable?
9,50
